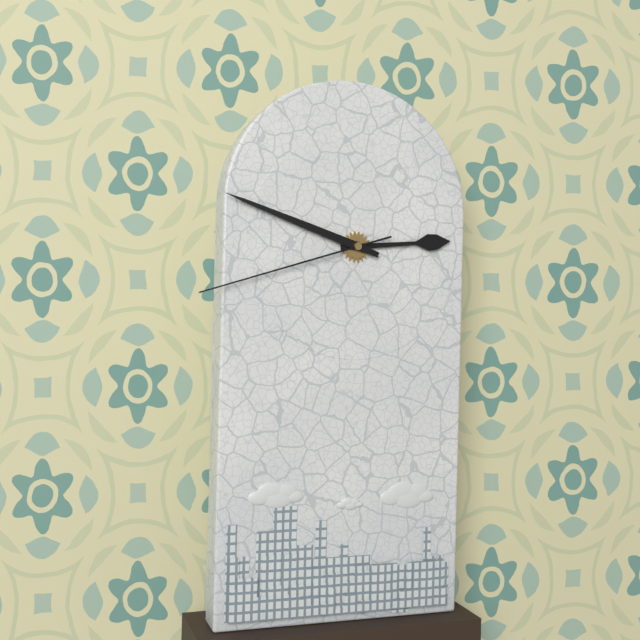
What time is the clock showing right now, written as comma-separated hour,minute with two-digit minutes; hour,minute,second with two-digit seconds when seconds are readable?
2,48,42
